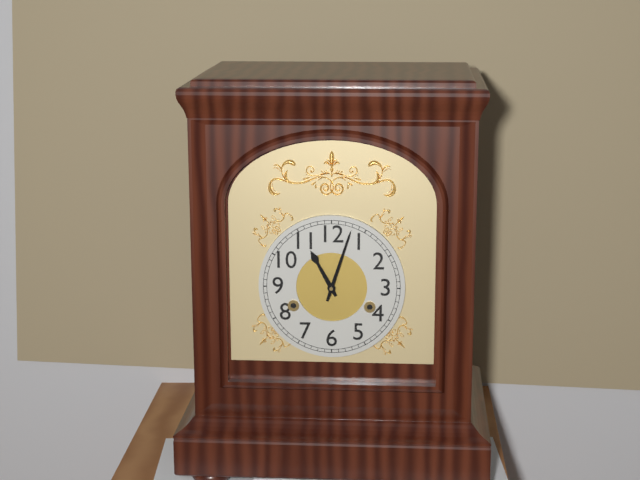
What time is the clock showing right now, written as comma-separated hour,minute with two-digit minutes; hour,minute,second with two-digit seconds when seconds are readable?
11,03
